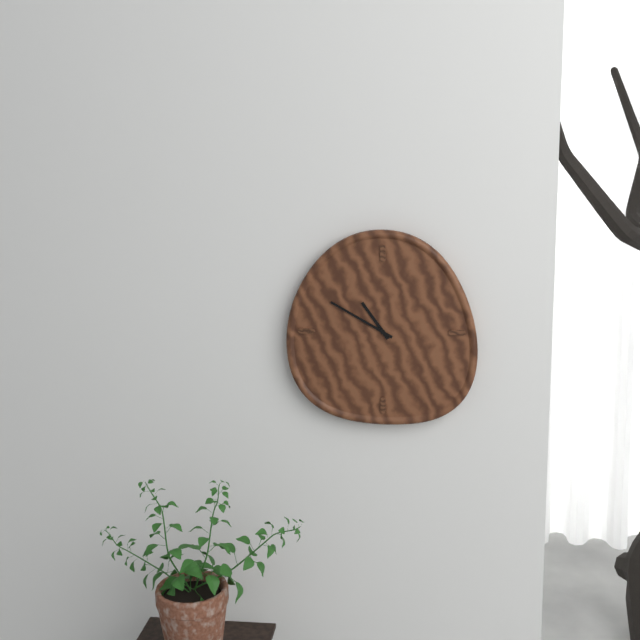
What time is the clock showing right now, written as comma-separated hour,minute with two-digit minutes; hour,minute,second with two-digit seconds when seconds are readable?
10,50
